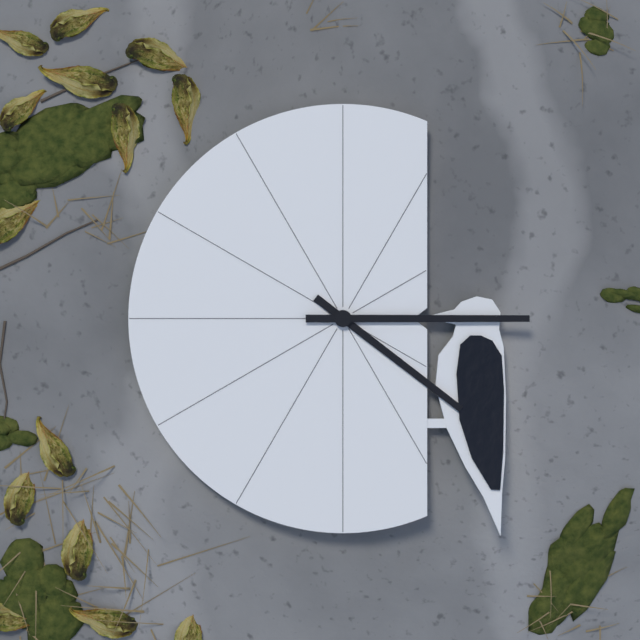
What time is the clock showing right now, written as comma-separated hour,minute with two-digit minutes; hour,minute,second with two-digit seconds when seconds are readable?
4,15
